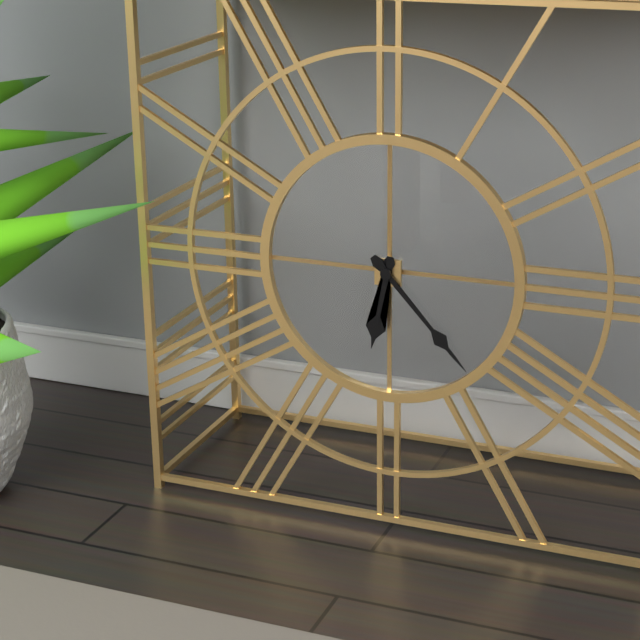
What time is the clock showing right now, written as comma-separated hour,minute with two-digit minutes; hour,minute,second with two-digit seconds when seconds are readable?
6,23
